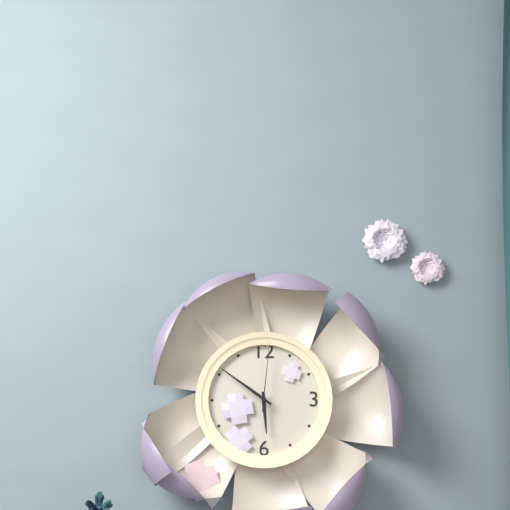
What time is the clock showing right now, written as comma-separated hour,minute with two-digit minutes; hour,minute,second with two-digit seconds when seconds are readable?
5,51,01
